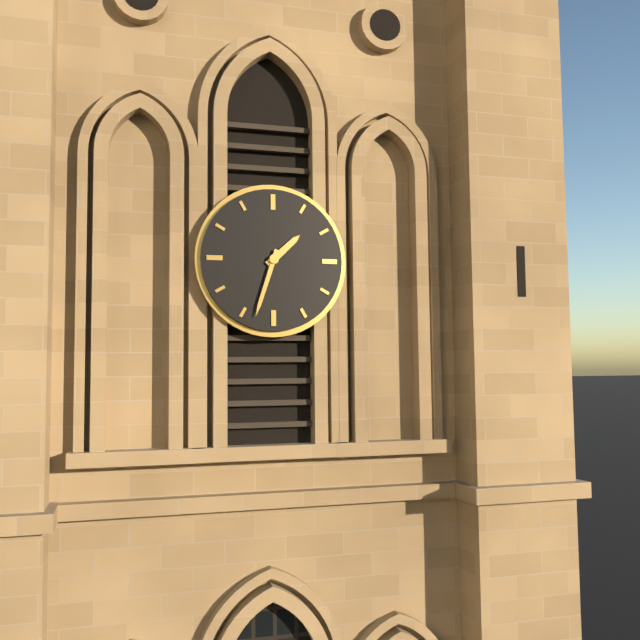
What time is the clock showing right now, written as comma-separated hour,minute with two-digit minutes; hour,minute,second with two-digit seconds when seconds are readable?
1,33
